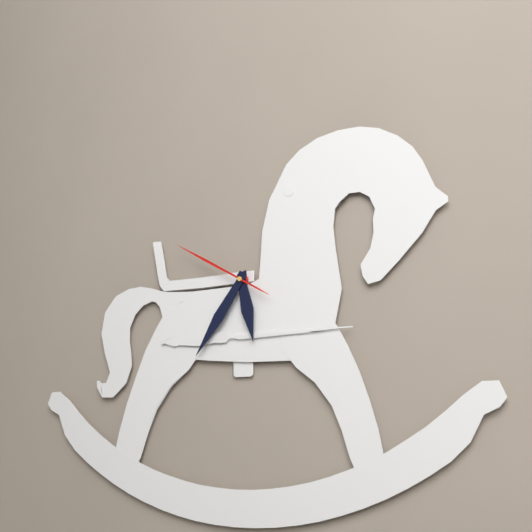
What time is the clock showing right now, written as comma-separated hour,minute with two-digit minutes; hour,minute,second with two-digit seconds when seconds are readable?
5,36,50
